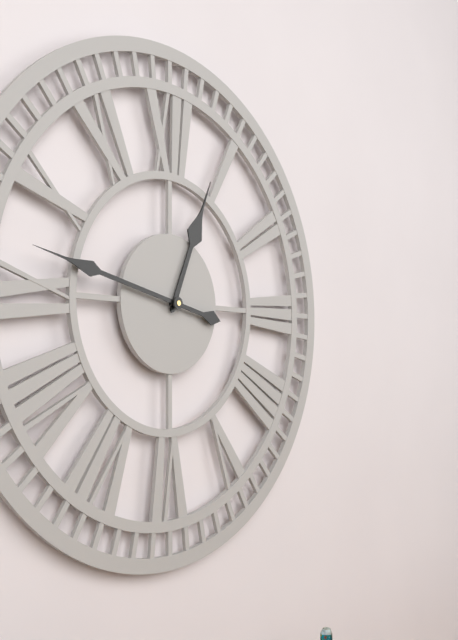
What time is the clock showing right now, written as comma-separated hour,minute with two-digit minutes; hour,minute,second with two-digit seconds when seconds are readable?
12,47
